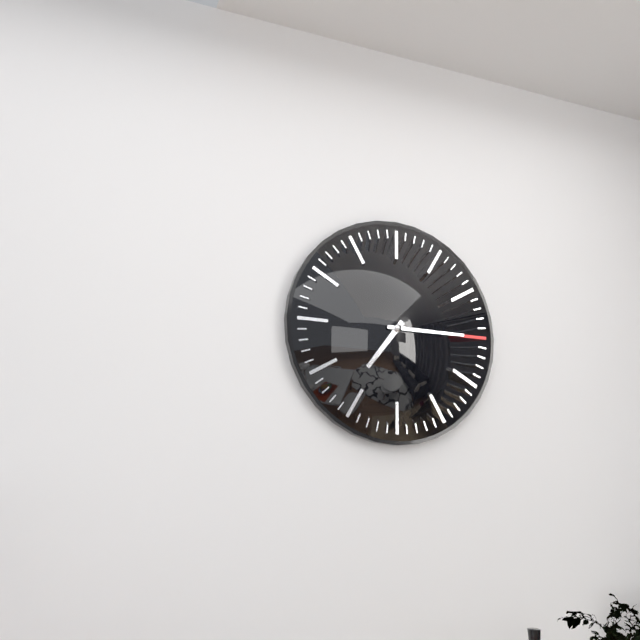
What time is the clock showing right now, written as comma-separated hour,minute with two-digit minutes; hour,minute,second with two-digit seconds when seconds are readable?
7,15
